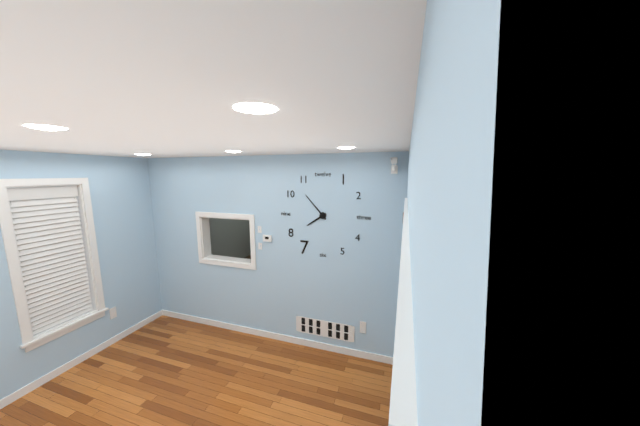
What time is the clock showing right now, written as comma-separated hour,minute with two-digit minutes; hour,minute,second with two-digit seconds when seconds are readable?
7,53
